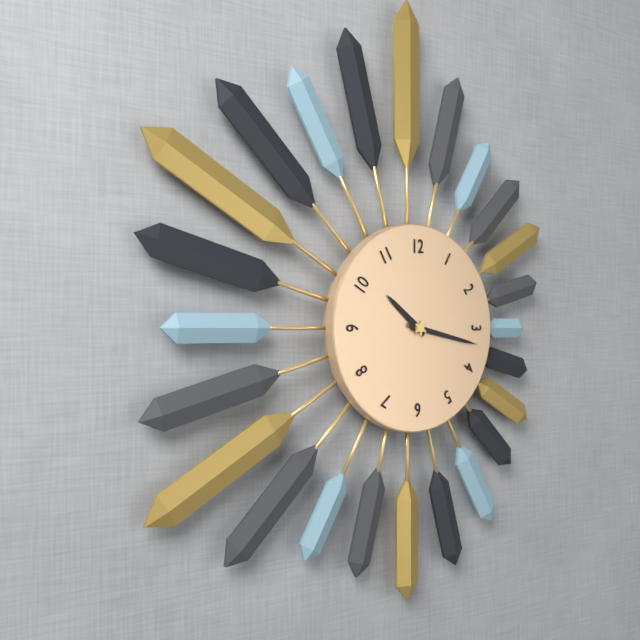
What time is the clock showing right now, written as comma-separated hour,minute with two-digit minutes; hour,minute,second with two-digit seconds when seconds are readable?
10,17
